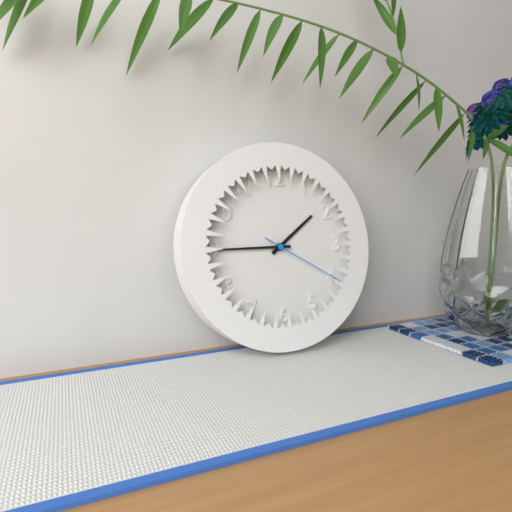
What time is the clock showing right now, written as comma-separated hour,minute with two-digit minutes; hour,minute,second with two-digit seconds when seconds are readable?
1,45,20
